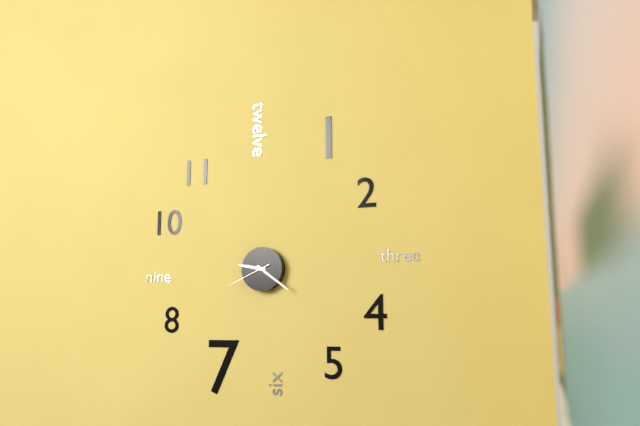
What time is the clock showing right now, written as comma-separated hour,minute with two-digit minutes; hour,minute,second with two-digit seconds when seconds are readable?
9,21
